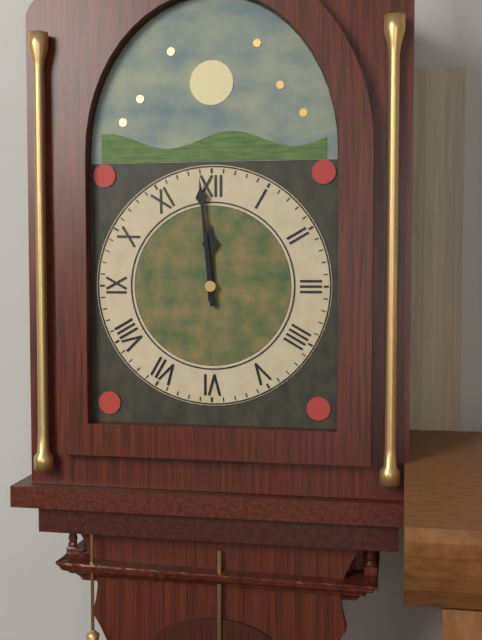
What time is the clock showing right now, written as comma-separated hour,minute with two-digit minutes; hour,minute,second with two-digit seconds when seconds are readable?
11,59
